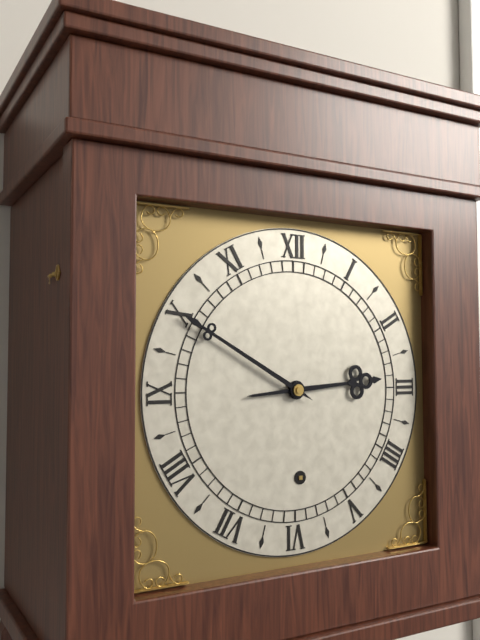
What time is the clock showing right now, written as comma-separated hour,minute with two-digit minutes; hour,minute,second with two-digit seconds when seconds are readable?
2,50
